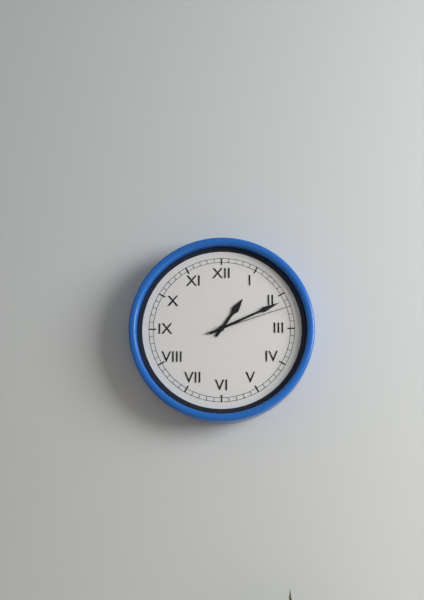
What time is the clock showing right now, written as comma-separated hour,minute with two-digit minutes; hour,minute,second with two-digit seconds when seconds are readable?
1,11,12
